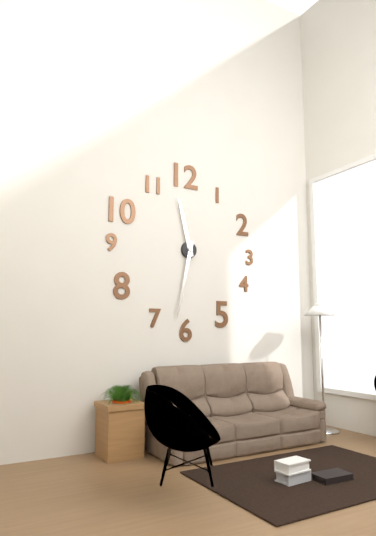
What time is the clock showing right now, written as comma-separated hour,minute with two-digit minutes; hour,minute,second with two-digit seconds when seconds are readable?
11,32
